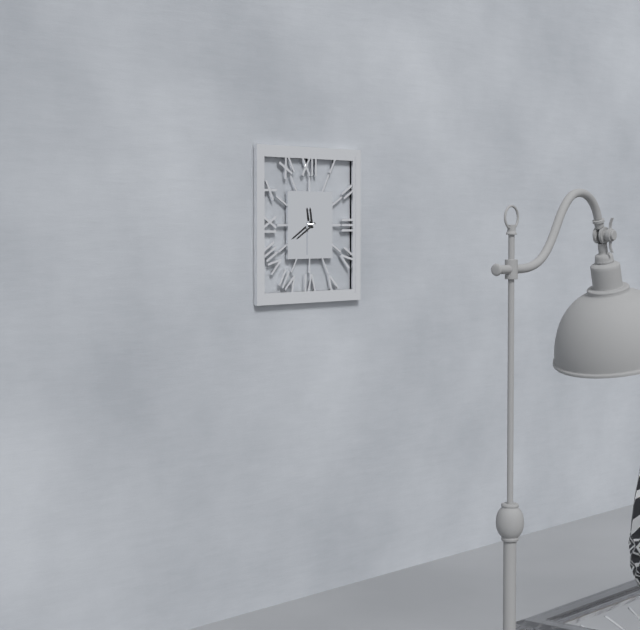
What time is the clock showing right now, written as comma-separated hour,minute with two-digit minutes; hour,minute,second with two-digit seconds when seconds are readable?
11,40
